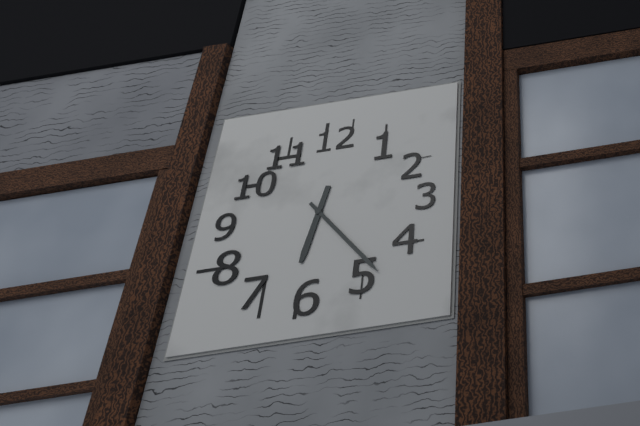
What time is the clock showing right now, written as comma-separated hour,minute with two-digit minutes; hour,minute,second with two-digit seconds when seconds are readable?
6,23
